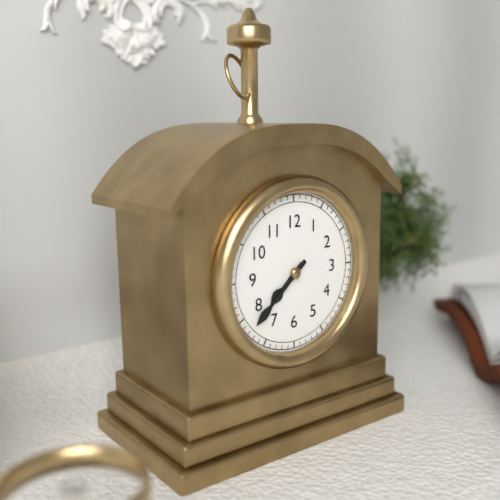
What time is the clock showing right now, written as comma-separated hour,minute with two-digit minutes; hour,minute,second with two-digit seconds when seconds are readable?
7,38
